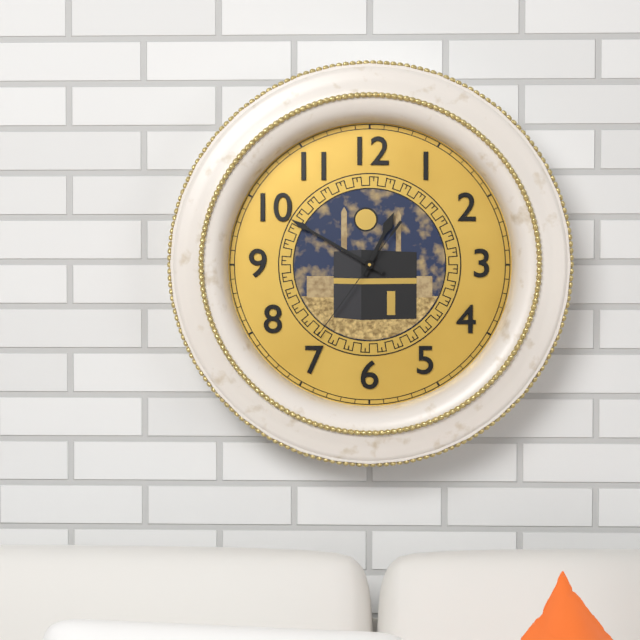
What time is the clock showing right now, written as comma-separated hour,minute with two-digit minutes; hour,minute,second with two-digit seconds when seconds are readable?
12,50,36
